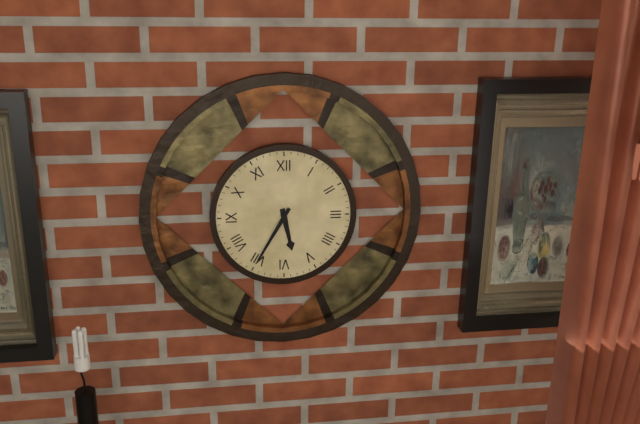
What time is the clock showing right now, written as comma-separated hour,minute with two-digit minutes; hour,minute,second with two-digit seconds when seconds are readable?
5,35
